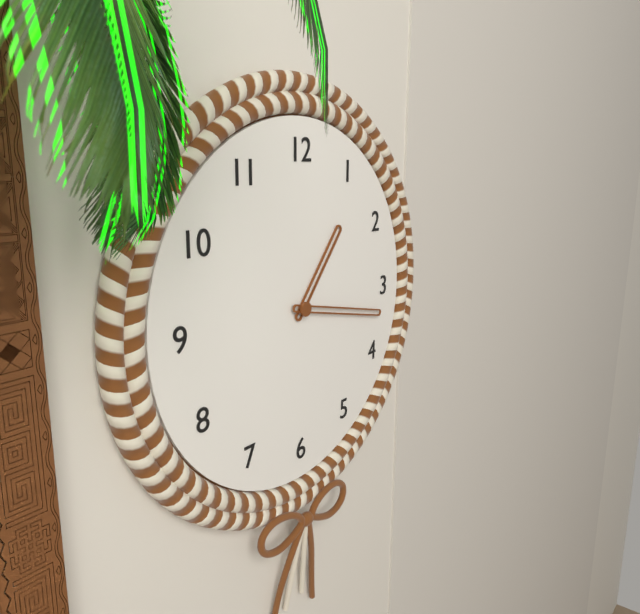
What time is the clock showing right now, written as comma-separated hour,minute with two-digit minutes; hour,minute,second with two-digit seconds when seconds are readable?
1,17
